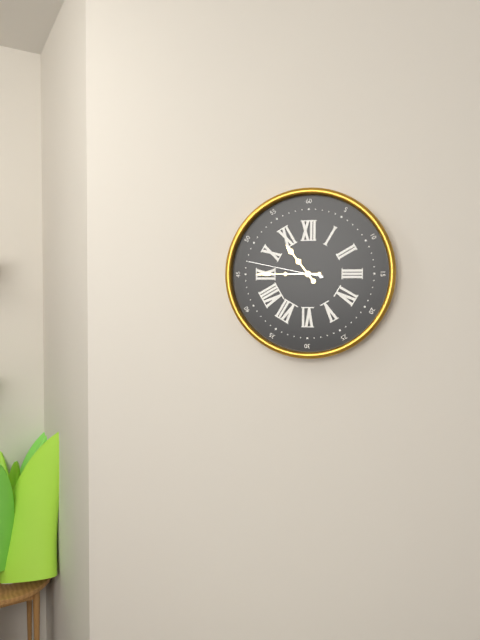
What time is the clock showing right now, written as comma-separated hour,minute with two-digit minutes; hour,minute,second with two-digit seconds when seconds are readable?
10,45,47
